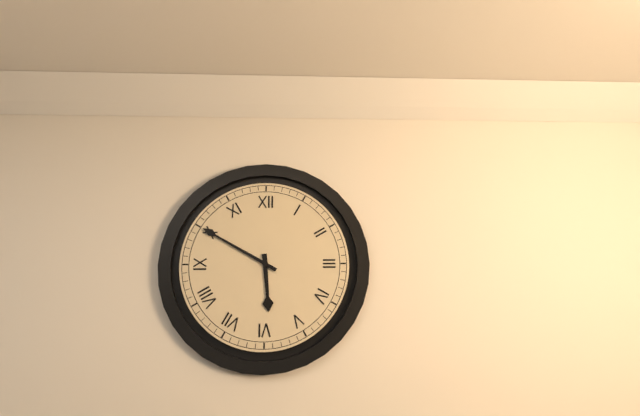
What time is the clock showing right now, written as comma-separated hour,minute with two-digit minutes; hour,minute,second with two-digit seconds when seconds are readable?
5,50
